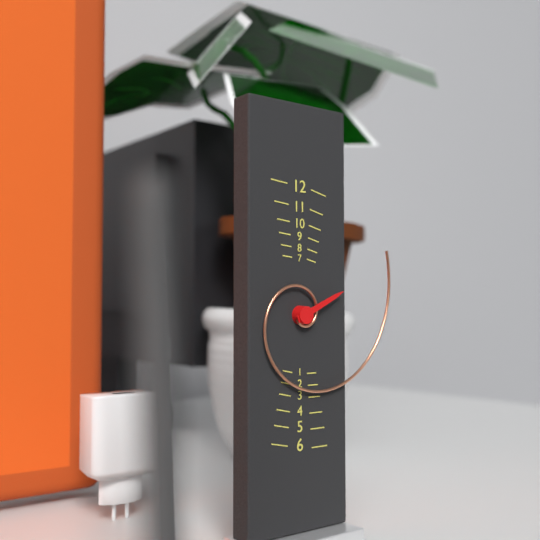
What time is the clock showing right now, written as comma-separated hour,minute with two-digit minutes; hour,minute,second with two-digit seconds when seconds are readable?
2,10
